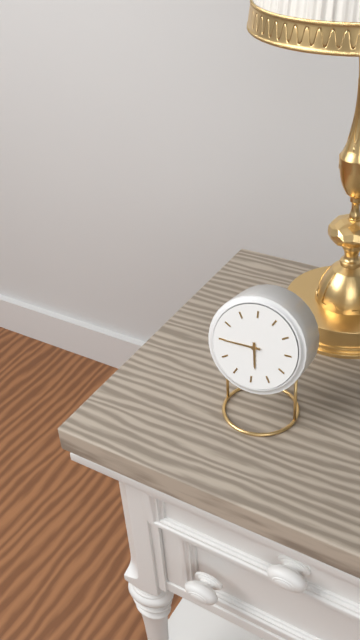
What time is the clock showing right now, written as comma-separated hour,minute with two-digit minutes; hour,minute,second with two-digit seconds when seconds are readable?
5,45
